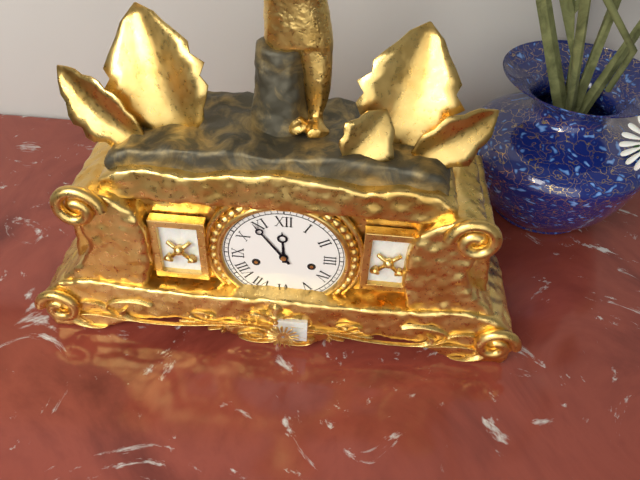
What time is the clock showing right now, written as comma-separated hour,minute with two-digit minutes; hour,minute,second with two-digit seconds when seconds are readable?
11,54
